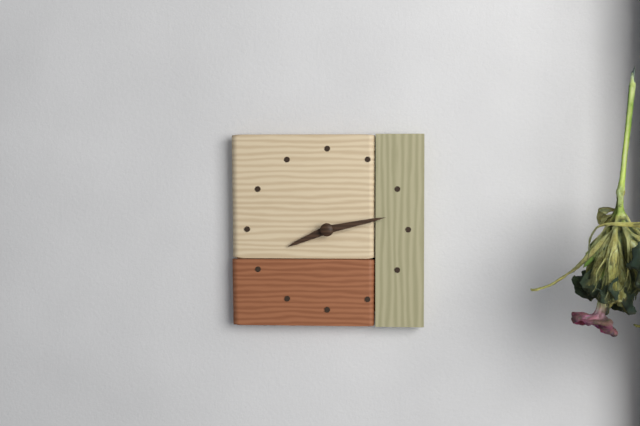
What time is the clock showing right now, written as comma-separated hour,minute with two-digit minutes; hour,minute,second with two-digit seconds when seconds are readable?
8,13
